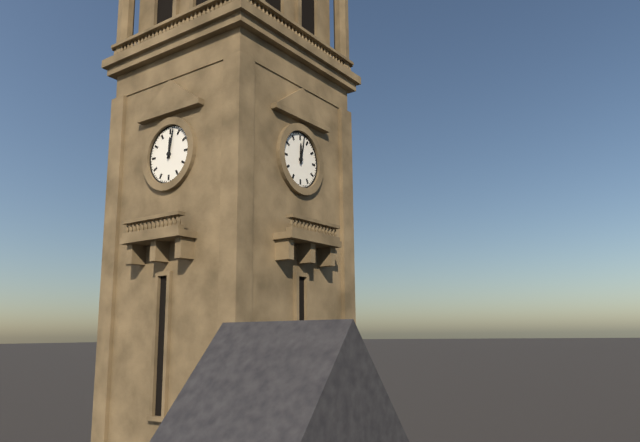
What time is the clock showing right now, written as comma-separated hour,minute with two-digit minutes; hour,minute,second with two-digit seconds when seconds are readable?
12,02
